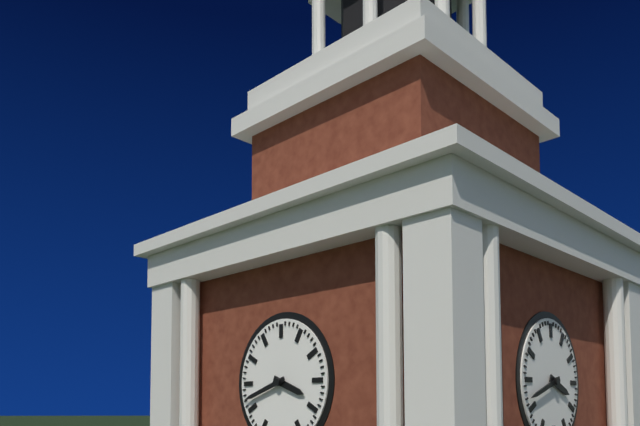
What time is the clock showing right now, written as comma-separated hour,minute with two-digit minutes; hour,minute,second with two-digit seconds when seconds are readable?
3,42
